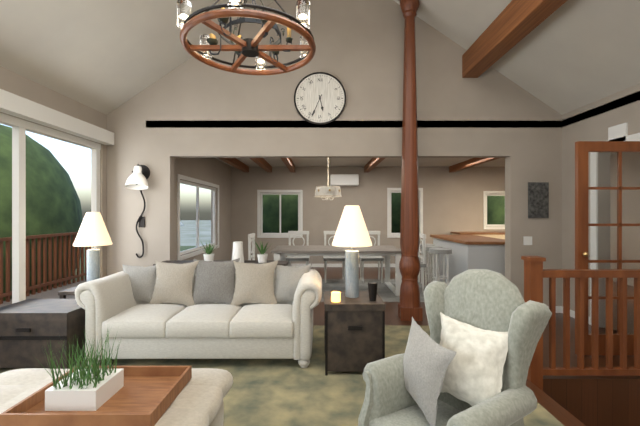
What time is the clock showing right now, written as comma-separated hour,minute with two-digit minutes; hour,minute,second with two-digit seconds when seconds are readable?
5,34
